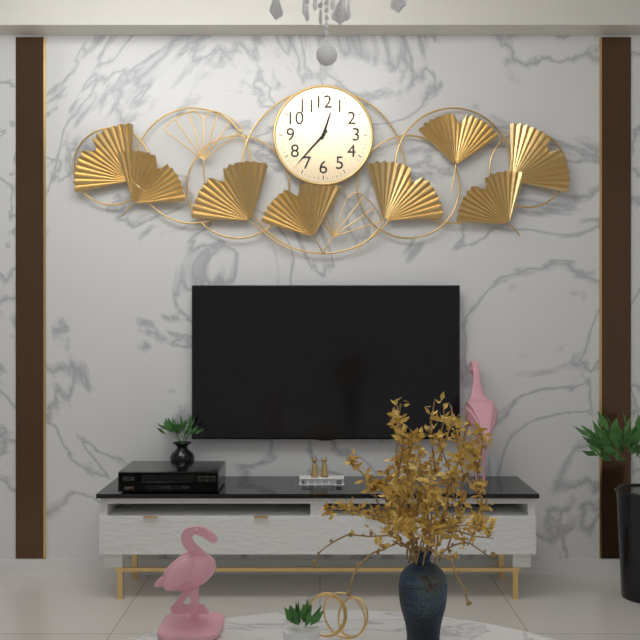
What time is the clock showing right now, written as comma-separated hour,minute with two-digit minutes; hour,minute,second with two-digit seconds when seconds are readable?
12,37
